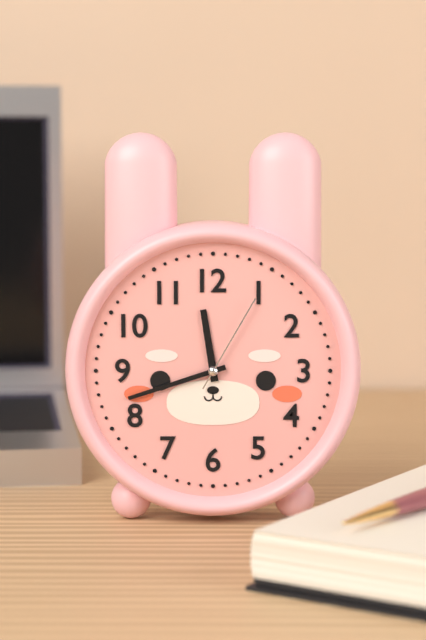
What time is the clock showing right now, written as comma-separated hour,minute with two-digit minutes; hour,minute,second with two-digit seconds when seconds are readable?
11,42,05
